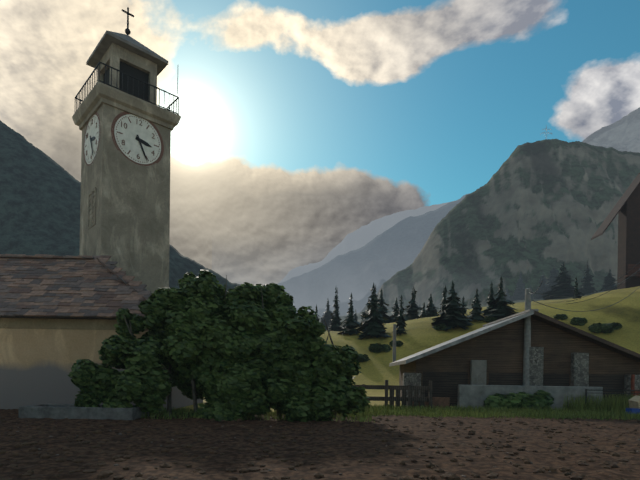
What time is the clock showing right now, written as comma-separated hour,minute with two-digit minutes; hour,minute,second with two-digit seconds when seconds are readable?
3,26
